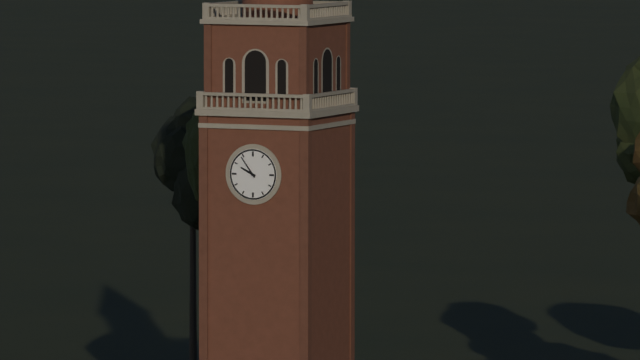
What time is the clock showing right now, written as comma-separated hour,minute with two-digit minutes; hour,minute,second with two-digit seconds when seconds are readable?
9,54
